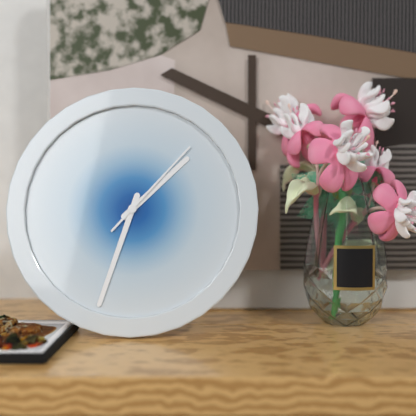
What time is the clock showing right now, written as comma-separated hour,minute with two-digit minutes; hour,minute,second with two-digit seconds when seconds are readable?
1,33,07
